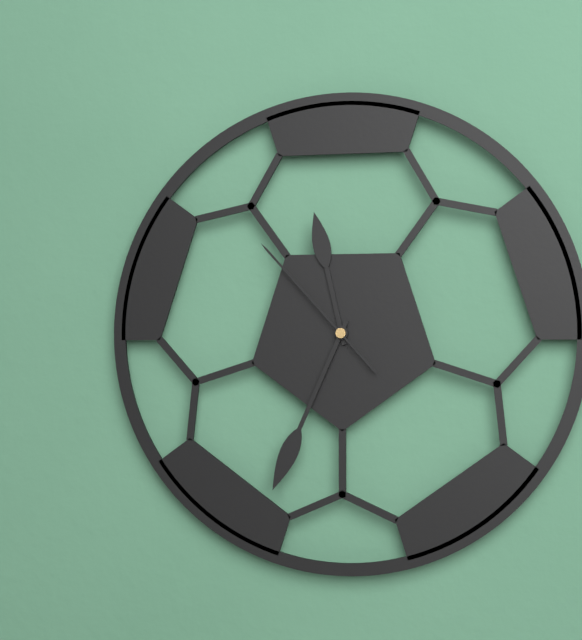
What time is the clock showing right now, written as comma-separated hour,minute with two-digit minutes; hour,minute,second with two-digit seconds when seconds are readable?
11,34,53
